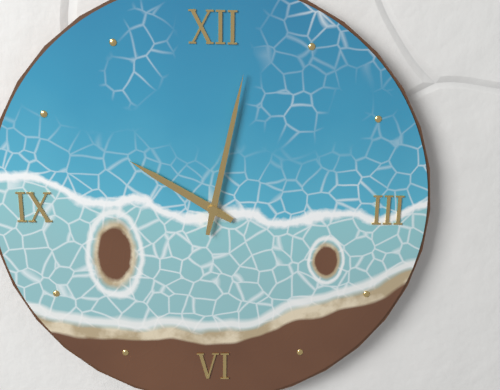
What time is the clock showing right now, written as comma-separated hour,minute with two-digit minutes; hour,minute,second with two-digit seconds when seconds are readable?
10,02
